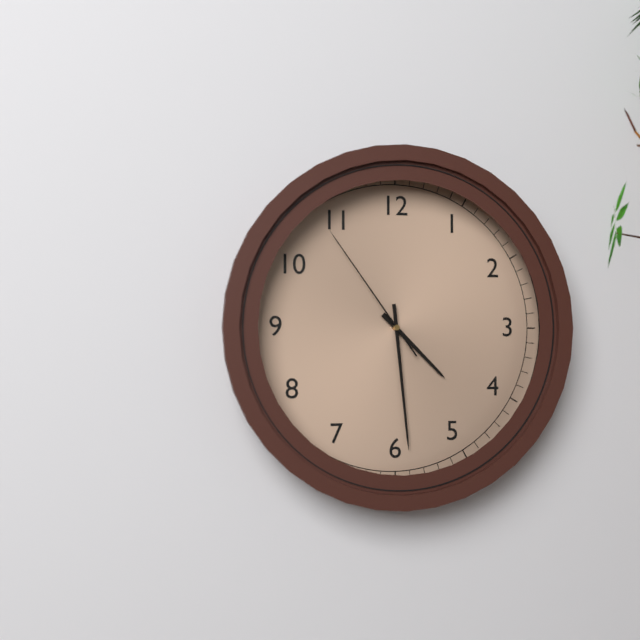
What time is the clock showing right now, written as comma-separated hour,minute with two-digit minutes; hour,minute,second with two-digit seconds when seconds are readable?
4,29,54
